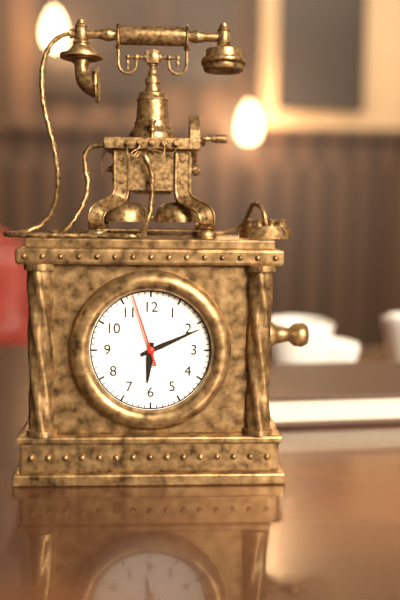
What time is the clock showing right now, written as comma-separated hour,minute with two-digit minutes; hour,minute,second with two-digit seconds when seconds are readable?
6,11,57
